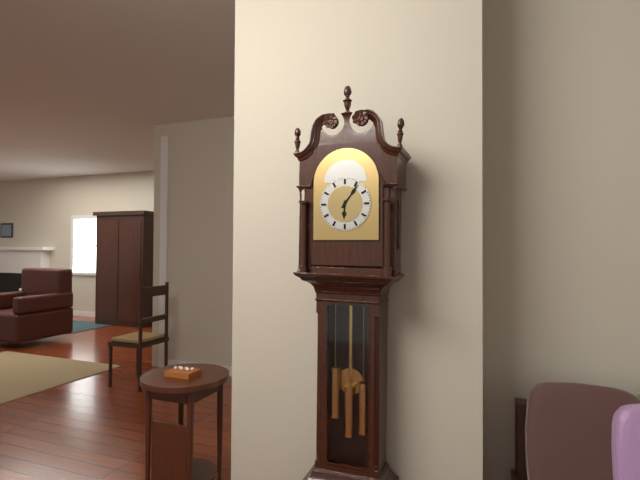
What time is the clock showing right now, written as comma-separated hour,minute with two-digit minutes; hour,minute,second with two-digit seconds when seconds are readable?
6,06
